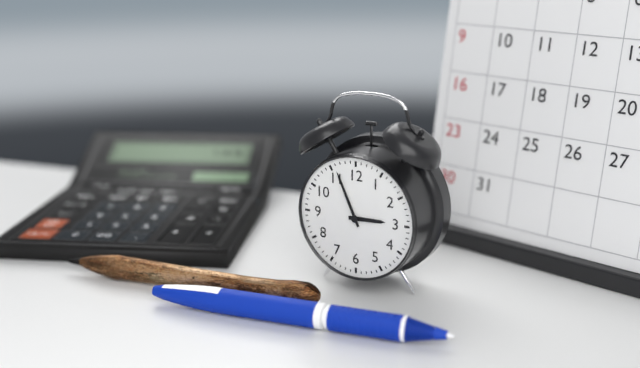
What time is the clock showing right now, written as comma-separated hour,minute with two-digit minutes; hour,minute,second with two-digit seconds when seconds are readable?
2,56
